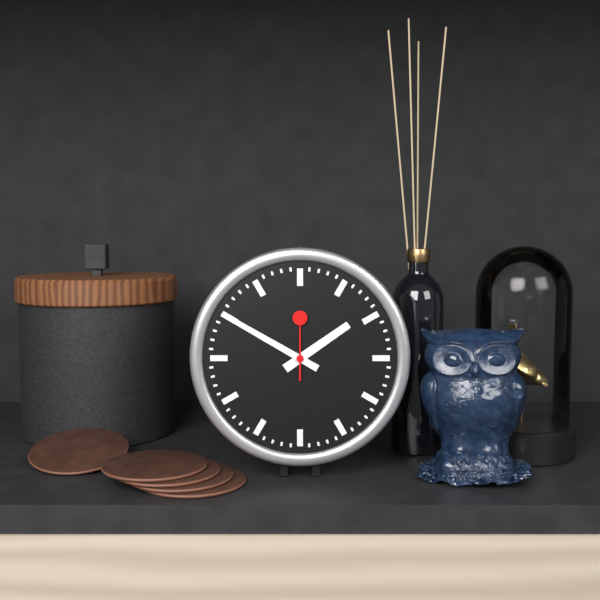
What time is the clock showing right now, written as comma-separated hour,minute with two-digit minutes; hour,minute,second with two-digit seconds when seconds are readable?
1,50,00
